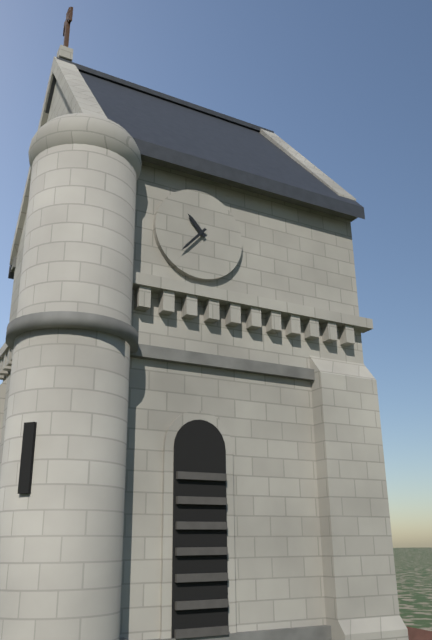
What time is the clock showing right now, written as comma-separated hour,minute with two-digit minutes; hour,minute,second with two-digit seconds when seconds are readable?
10,37
